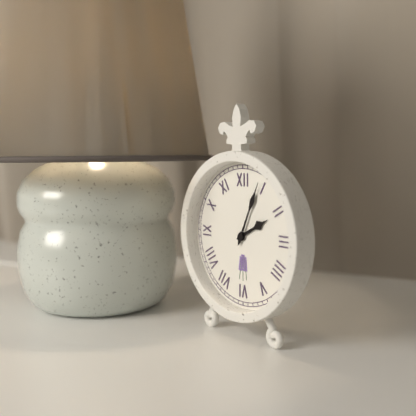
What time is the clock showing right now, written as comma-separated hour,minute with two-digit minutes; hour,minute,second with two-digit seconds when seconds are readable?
2,04
